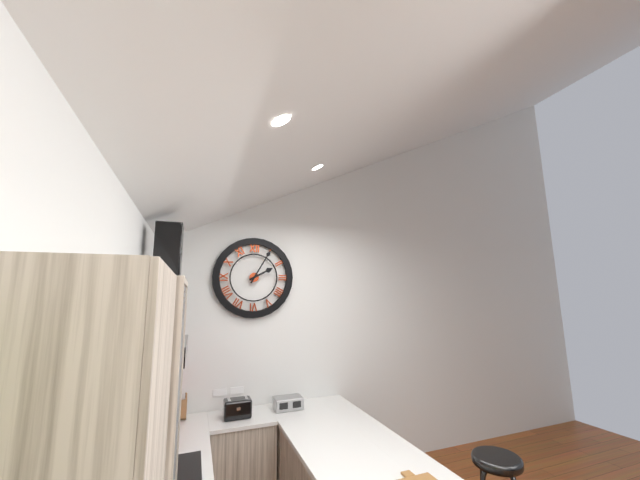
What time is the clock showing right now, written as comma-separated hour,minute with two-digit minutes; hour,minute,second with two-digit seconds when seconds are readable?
2,05
